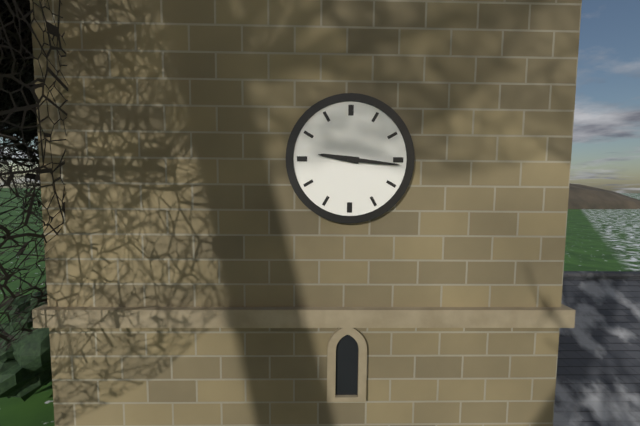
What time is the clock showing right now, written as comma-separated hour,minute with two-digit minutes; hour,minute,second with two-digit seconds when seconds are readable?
9,16
